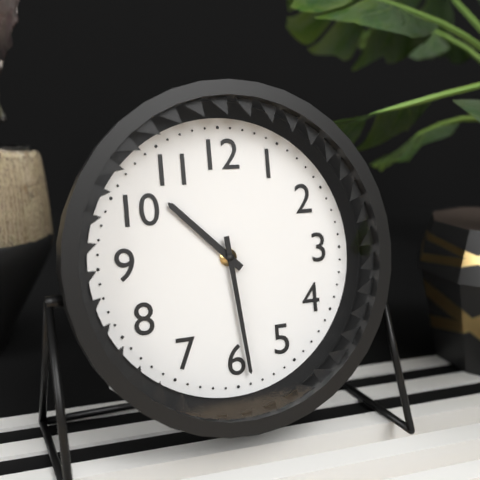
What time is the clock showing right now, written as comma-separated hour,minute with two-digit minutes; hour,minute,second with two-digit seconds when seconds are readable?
10,29
